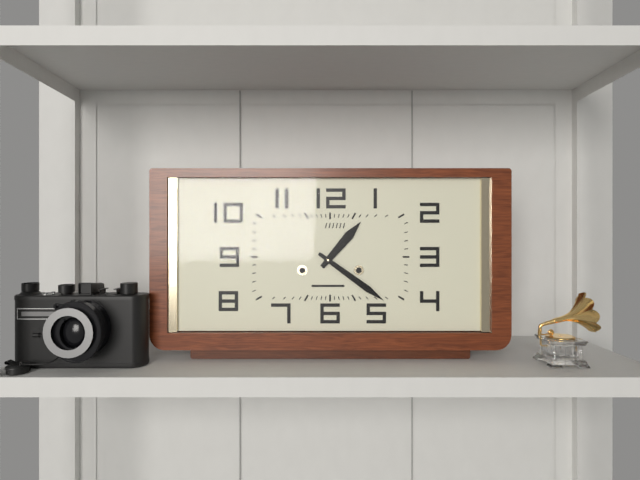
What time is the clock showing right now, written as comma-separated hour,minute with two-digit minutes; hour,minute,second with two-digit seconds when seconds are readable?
1,21
